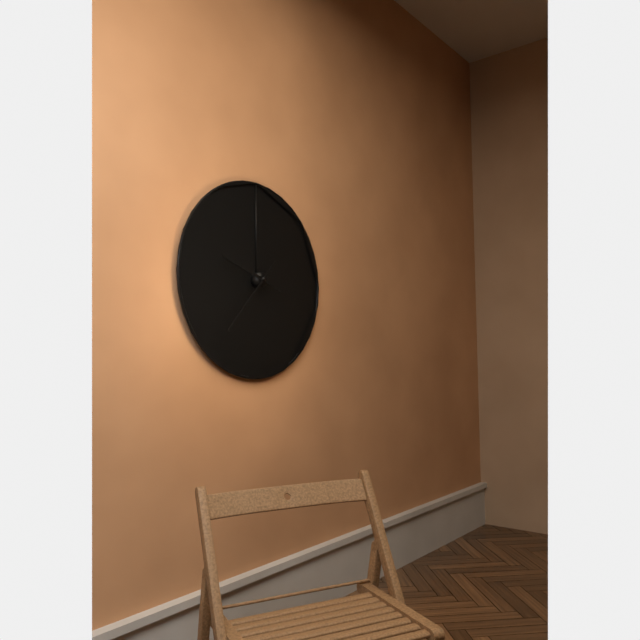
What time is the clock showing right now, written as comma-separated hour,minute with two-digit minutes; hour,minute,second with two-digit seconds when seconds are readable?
9,37
